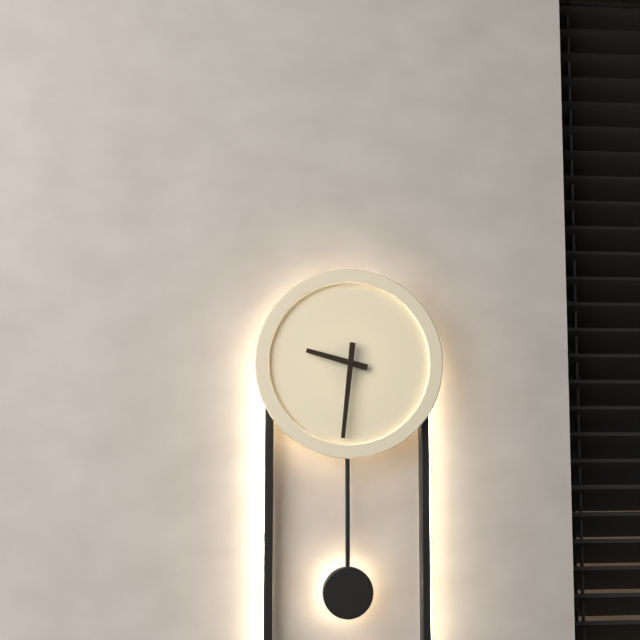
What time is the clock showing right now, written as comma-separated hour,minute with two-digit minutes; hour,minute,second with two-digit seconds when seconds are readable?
9,31
